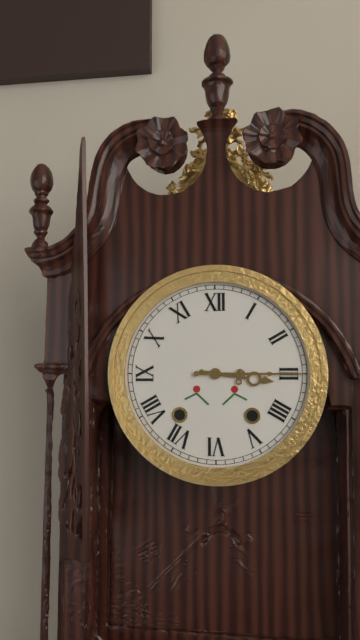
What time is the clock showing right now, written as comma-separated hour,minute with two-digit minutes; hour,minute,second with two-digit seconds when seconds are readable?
3,15
